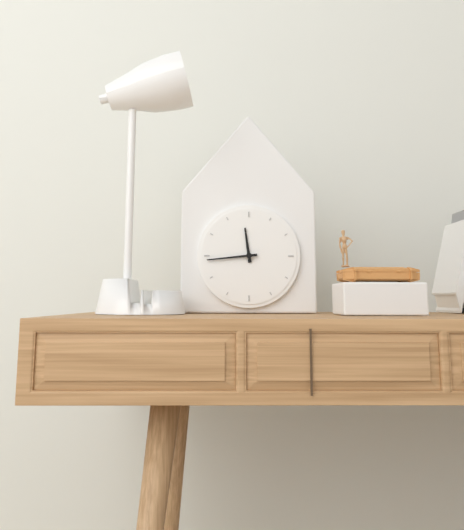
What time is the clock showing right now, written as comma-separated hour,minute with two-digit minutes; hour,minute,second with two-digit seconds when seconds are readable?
11,44
